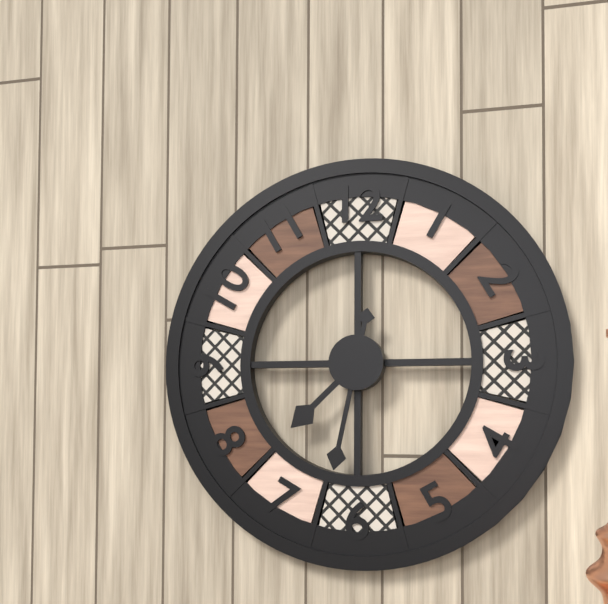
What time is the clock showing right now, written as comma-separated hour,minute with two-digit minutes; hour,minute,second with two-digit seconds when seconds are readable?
7,32
